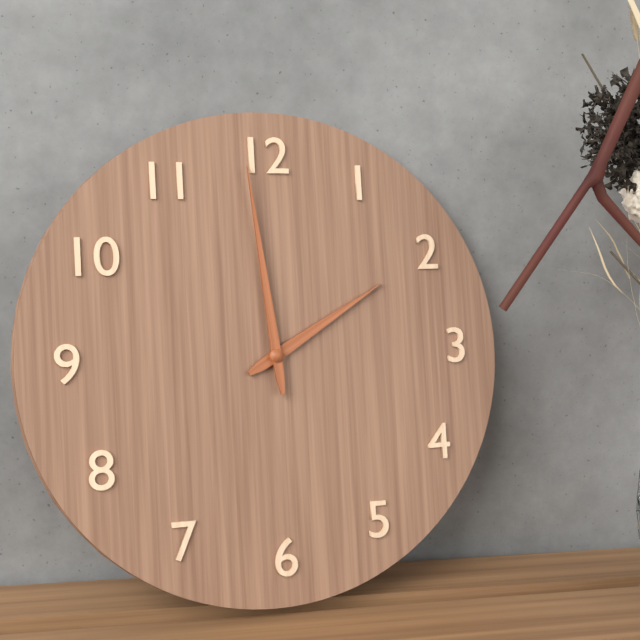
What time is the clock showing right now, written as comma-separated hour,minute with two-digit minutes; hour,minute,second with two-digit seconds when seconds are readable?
1,59
